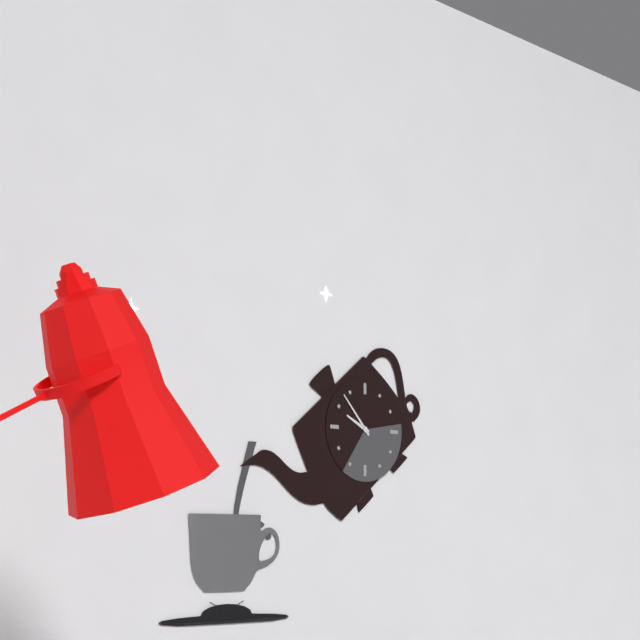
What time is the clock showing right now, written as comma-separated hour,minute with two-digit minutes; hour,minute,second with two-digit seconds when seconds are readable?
9,53
